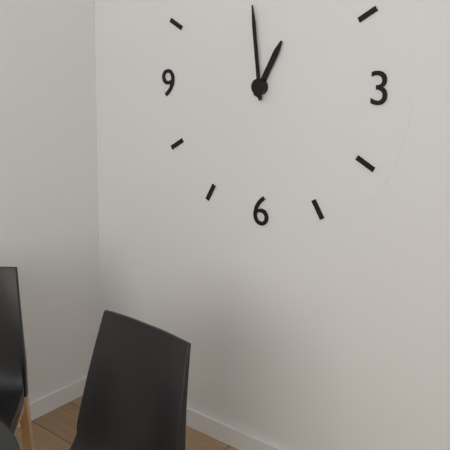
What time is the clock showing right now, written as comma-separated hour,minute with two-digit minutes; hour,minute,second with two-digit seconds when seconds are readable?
12,59
